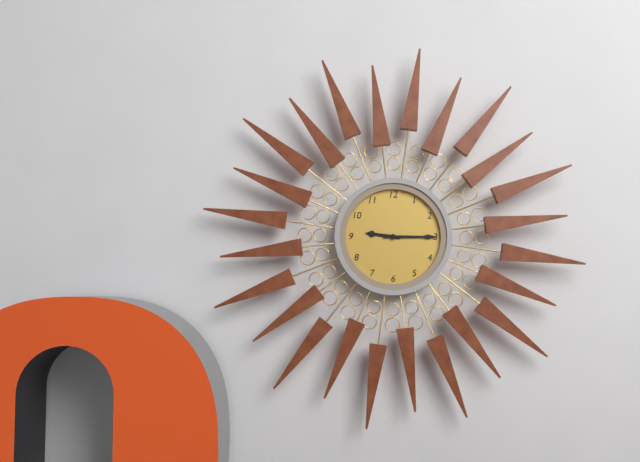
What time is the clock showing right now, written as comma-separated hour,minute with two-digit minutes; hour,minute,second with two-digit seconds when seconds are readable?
9,15
